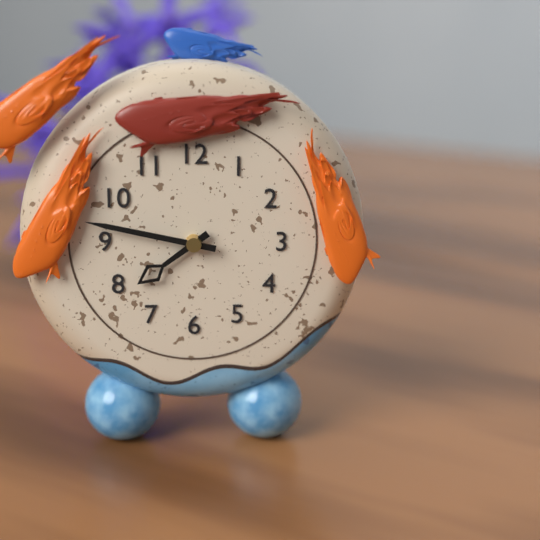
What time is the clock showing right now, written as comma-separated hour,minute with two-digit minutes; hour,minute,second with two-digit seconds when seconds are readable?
7,47
